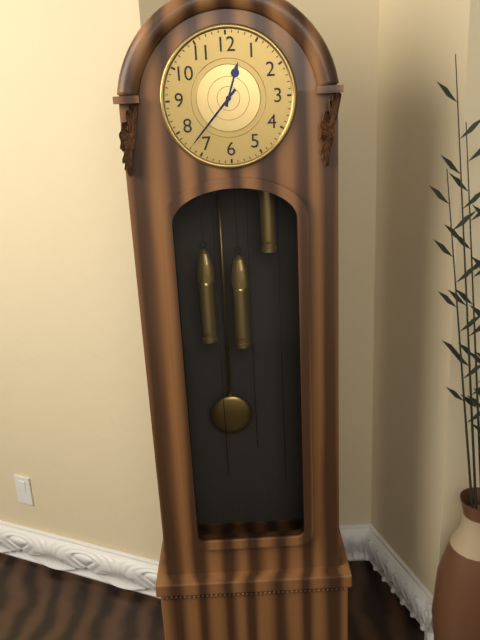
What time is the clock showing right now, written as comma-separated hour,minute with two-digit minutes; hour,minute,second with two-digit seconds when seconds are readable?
12,37
